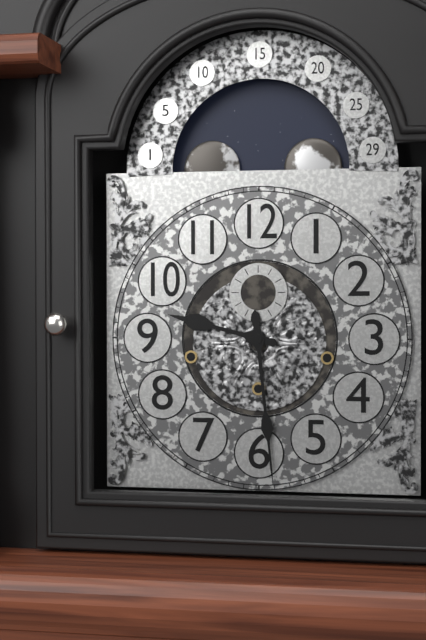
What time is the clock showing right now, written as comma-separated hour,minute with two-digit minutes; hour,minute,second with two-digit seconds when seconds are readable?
9,29
